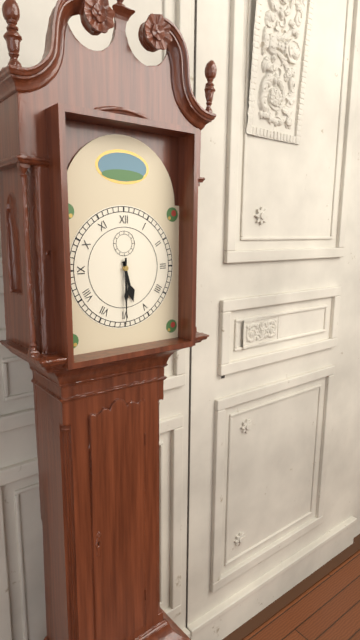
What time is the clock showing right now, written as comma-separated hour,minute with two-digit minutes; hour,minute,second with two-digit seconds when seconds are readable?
5,30
